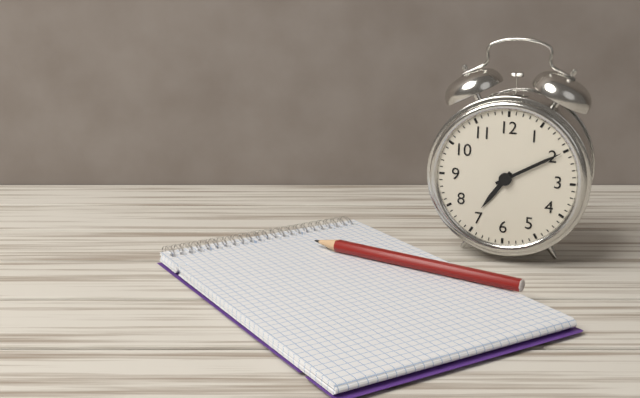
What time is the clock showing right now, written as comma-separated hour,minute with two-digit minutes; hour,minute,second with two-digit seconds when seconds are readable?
7,10
